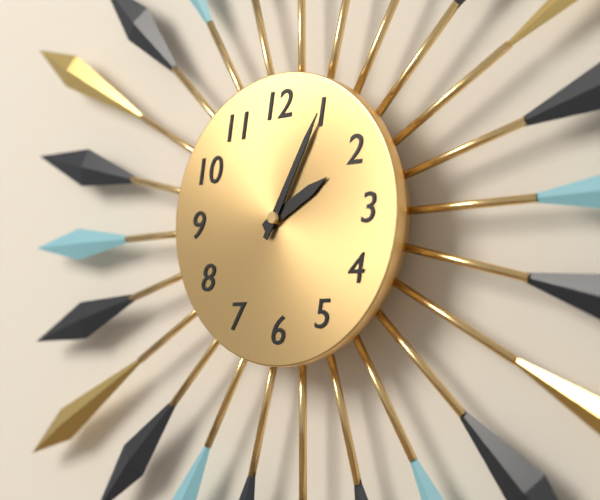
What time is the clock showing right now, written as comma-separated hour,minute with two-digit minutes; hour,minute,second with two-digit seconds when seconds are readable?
2,05
